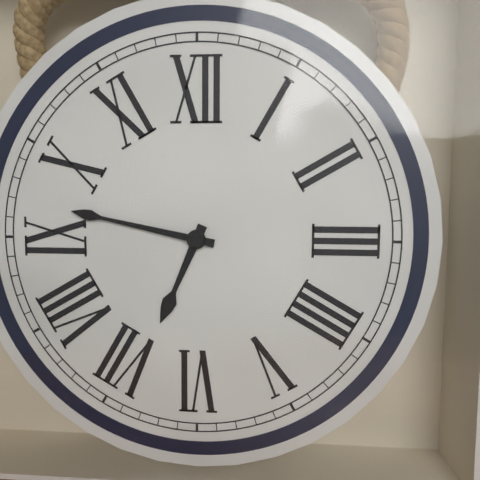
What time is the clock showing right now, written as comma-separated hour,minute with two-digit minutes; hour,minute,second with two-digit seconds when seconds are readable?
6,47
